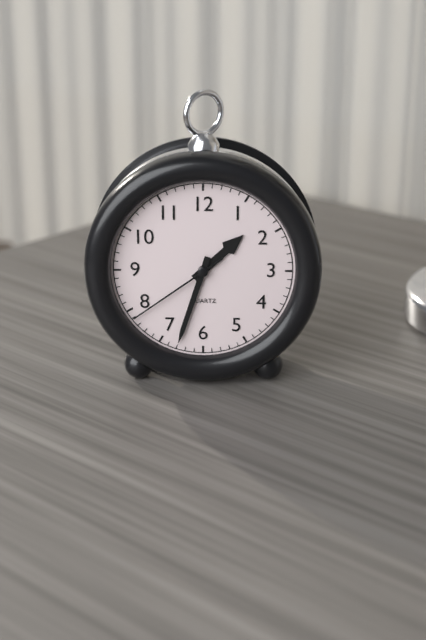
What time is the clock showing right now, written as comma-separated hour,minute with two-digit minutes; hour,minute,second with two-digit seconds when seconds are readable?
1,33,39
